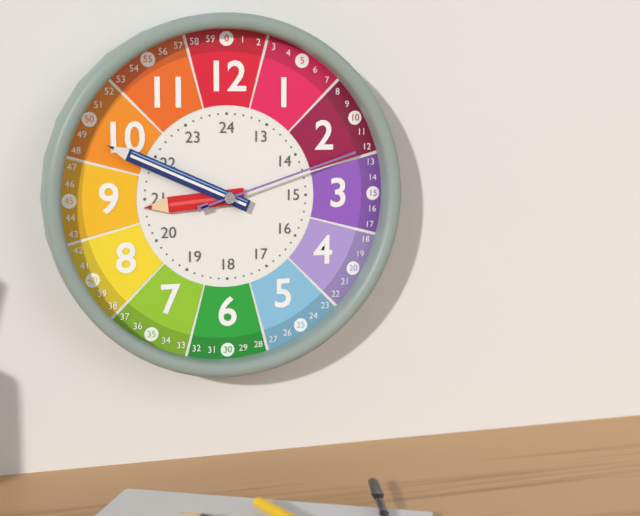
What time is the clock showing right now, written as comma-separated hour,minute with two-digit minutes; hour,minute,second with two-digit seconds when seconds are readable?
8,49,12
